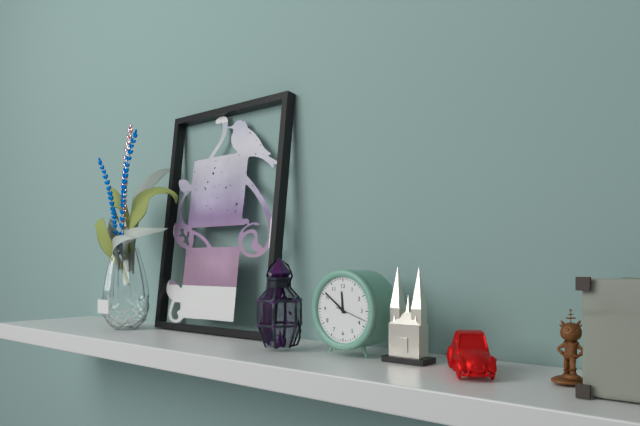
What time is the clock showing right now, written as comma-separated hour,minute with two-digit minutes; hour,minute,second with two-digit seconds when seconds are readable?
11,51
